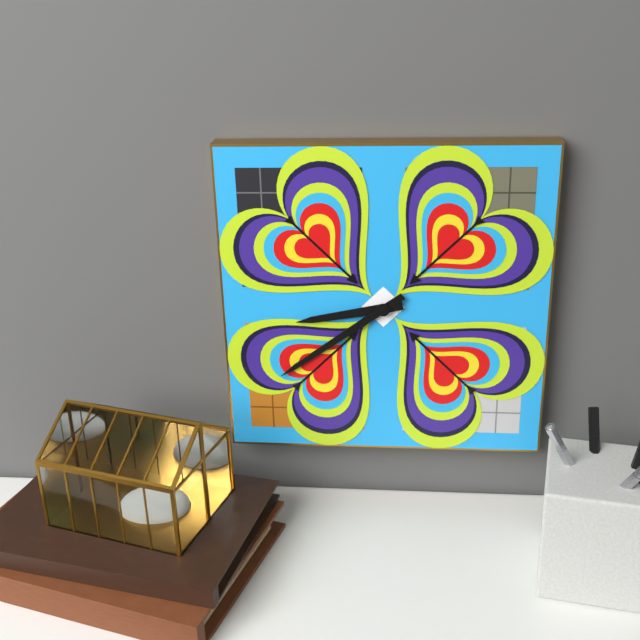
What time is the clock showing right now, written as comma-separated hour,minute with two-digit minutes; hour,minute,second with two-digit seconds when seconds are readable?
8,39
